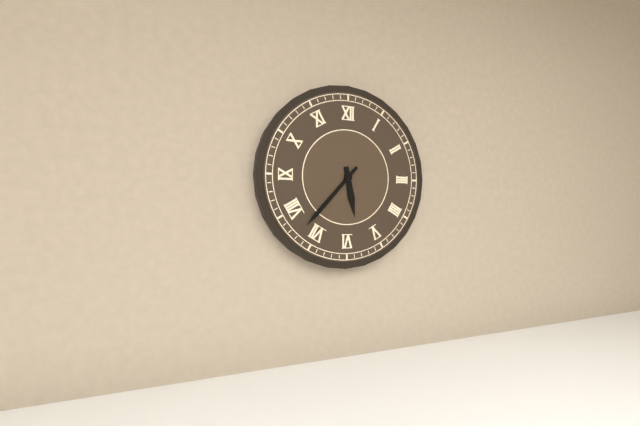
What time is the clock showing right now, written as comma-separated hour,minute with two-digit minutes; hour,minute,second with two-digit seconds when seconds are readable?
5,37
